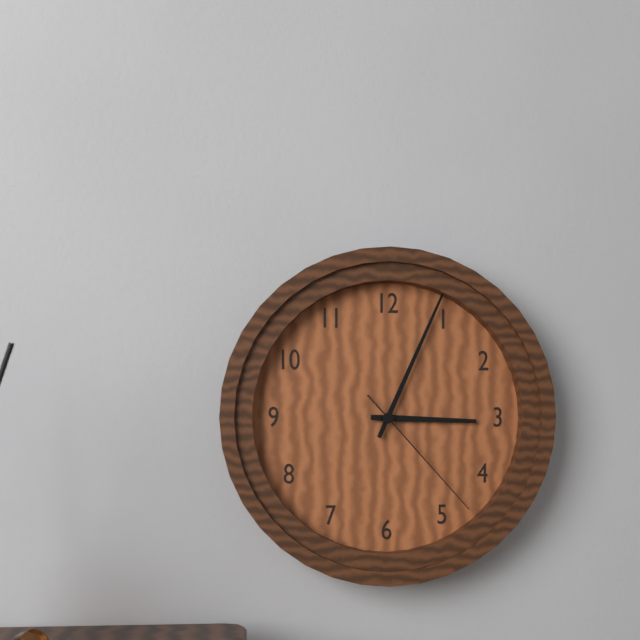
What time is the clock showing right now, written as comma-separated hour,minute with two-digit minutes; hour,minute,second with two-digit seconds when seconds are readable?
3,04,23
